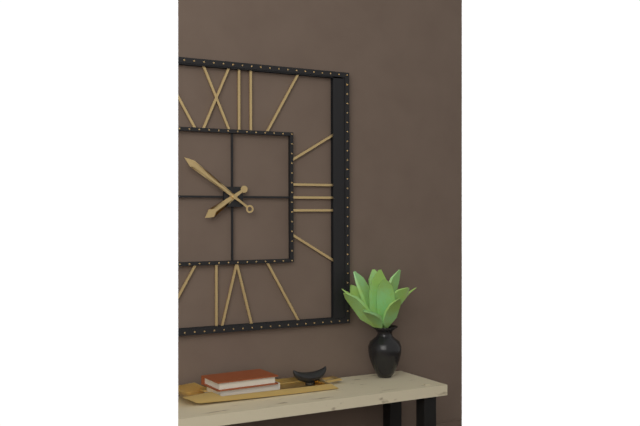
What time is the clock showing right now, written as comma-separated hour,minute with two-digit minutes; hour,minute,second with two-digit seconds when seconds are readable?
7,51
